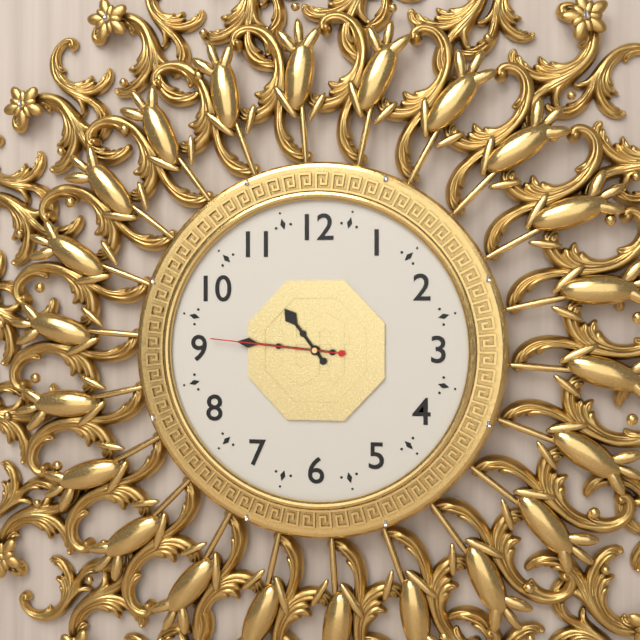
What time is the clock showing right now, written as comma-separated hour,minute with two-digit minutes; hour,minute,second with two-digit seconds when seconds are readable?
10,46,46
